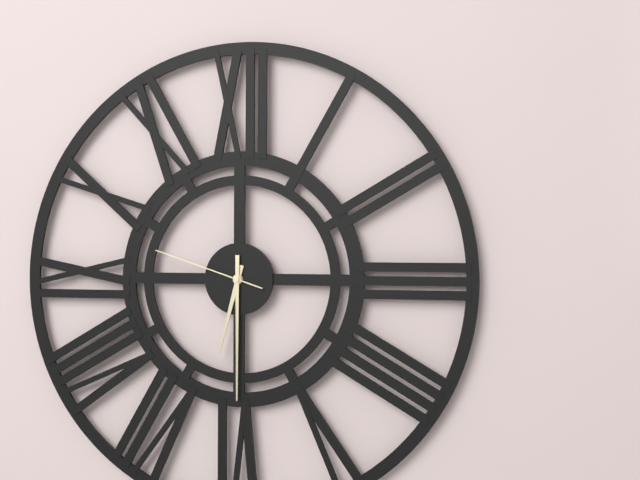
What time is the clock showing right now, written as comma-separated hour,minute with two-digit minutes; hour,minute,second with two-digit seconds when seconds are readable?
6,30,48
